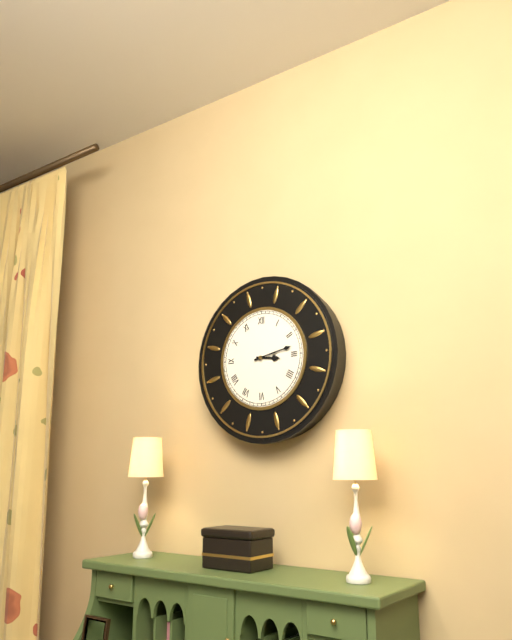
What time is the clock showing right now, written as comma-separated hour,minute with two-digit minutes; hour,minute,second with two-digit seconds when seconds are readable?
3,13
